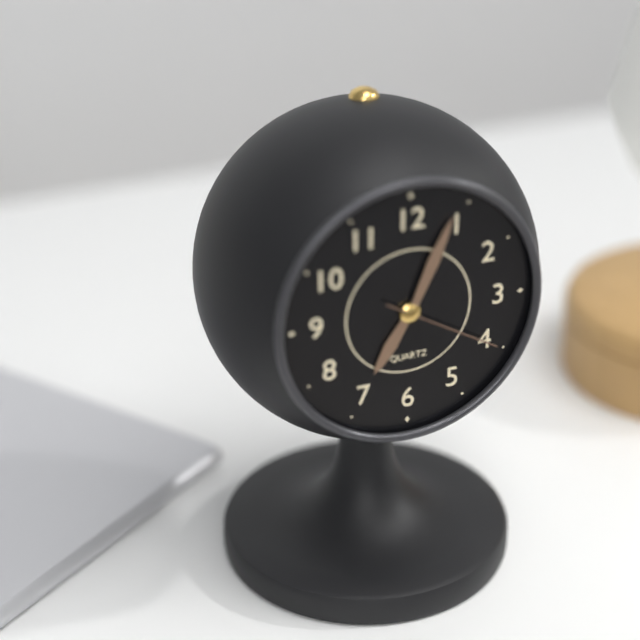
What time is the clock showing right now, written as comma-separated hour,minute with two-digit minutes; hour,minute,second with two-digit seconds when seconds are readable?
7,04,20
